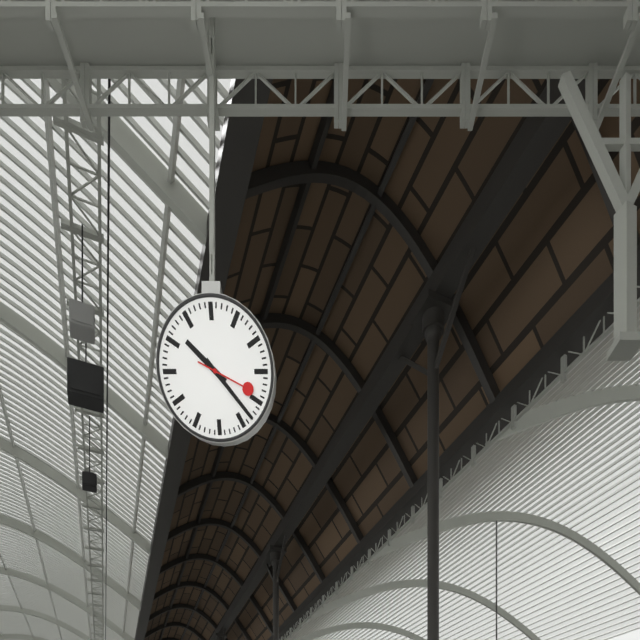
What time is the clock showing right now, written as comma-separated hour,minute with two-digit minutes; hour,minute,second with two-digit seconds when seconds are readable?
10,23,19
